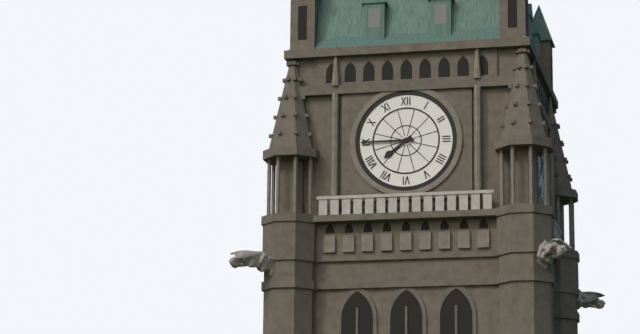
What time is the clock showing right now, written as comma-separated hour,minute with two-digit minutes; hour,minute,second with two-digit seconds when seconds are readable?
7,45
